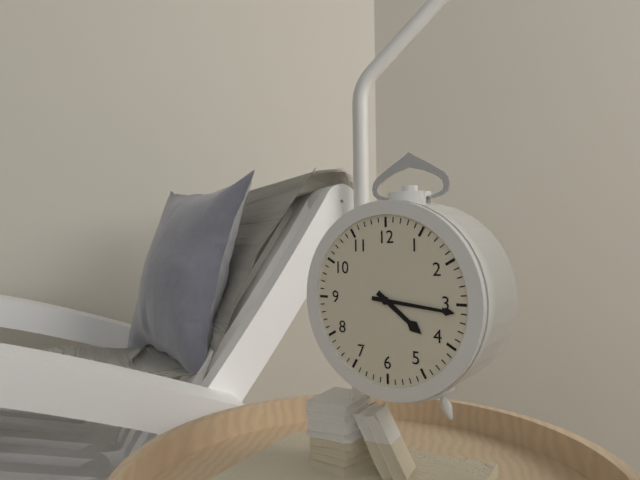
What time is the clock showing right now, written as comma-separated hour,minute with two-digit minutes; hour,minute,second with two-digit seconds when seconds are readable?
4,16
